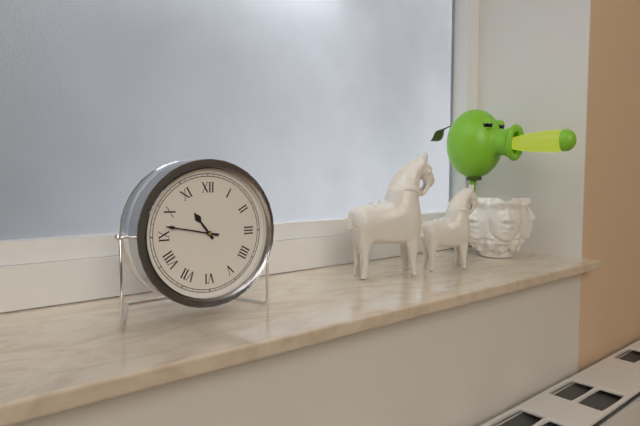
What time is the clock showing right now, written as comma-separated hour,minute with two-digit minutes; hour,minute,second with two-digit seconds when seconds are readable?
10,47
